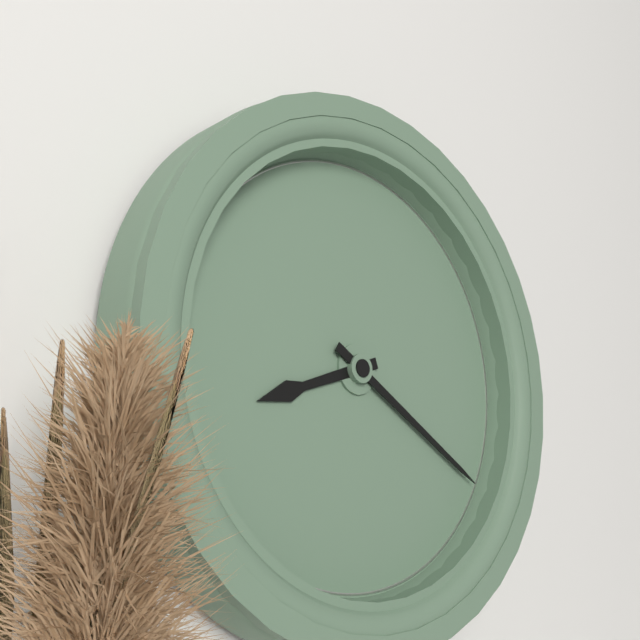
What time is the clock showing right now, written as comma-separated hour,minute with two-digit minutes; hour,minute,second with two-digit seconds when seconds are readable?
8,20
